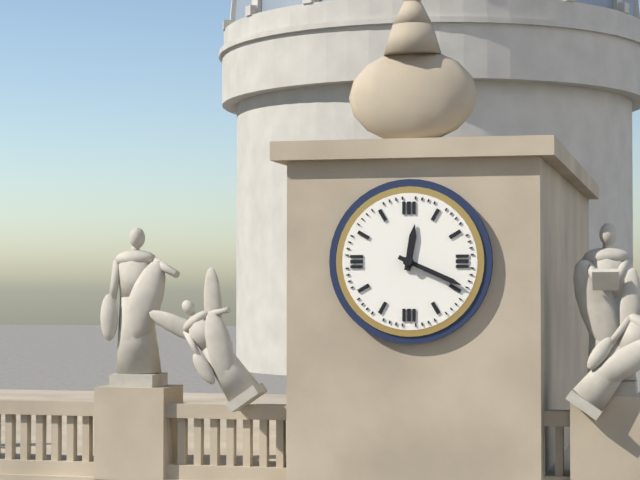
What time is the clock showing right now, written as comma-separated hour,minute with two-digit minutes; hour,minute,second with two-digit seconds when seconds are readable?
12,19
